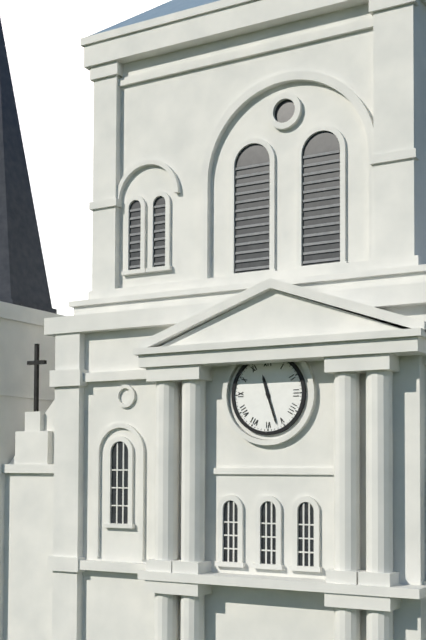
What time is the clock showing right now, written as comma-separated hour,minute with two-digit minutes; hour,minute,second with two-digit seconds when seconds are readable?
11,27
